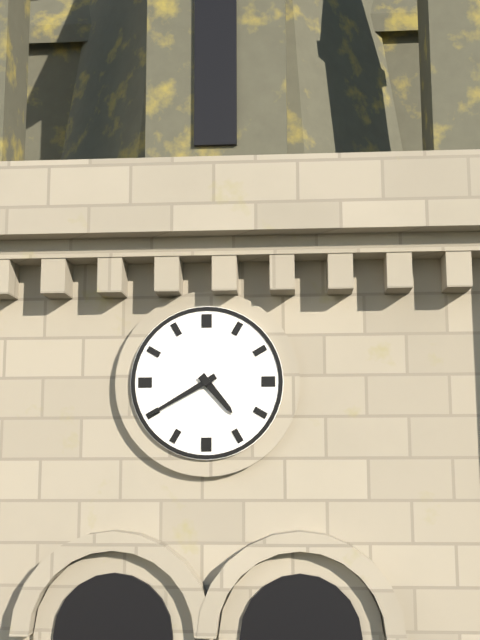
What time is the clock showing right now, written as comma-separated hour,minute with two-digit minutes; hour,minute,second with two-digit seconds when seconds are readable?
4,40
